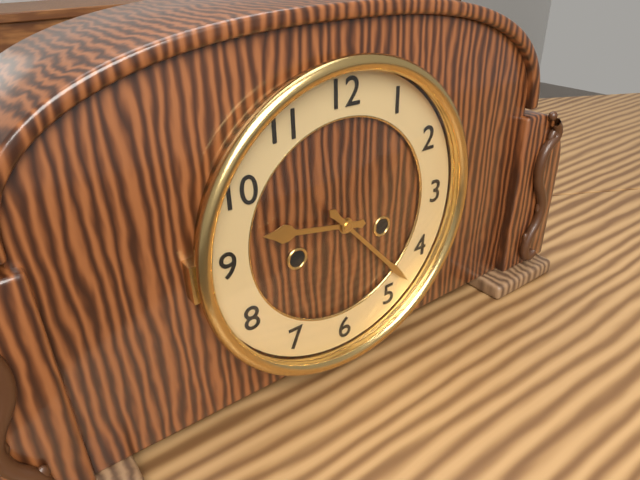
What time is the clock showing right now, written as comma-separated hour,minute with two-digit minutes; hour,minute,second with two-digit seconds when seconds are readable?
9,23
